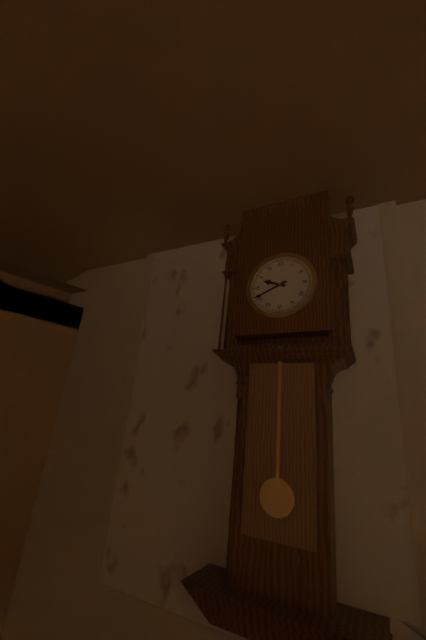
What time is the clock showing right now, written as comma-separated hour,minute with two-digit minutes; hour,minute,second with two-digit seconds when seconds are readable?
9,41
